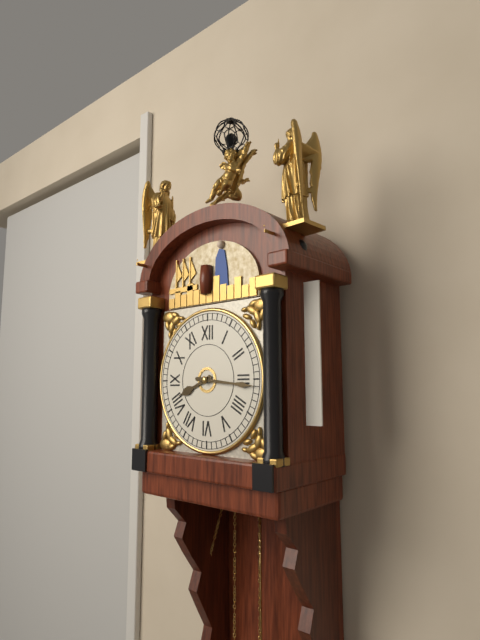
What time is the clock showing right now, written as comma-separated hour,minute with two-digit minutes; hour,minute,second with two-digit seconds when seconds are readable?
8,16
